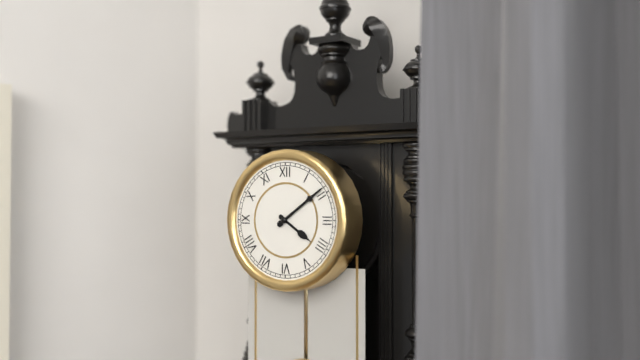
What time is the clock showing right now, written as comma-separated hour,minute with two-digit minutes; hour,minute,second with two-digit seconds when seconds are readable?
4,09
